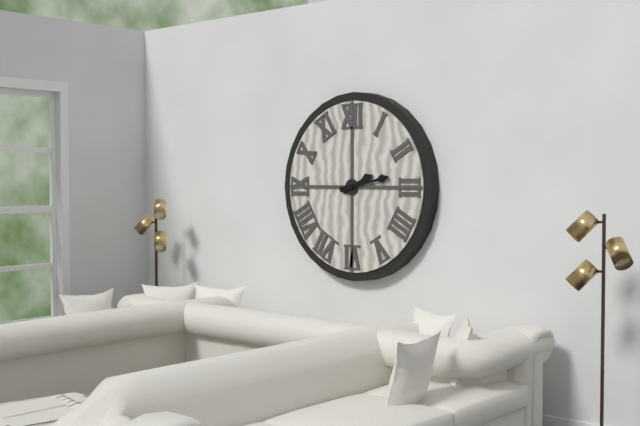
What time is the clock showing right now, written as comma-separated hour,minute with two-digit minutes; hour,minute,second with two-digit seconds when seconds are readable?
2,13
